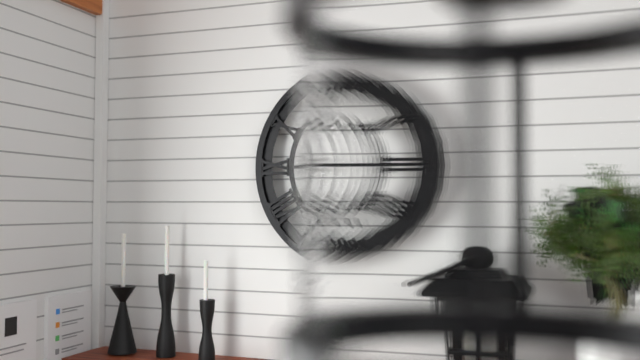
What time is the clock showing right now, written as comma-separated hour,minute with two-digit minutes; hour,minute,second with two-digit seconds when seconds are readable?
11,23
